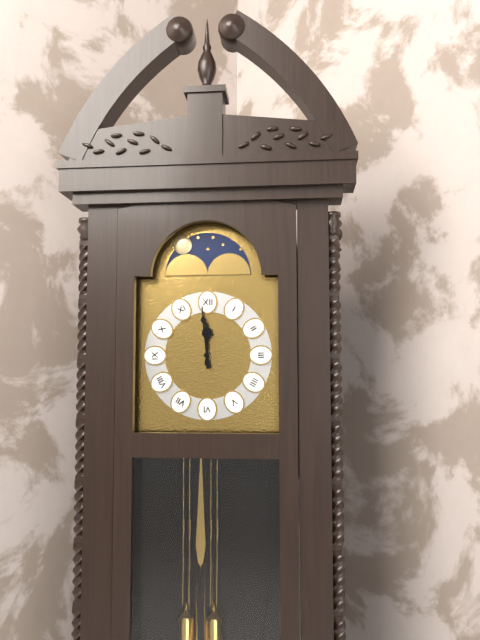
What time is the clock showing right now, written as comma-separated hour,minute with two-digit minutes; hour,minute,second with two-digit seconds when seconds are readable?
11,59
